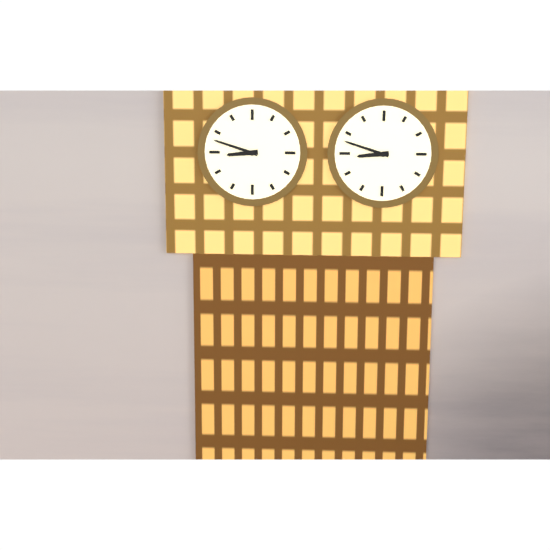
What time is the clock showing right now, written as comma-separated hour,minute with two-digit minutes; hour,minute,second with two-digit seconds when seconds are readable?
8,48
